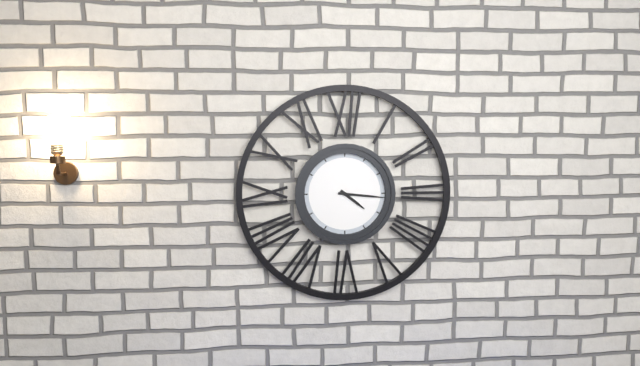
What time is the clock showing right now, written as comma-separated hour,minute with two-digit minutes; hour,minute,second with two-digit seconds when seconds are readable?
4,16
